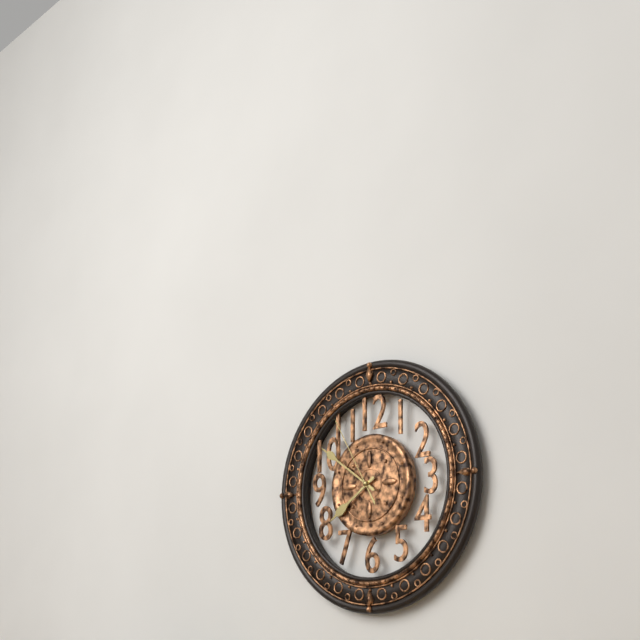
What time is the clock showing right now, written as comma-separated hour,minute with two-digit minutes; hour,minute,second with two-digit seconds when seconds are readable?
7,51,55
